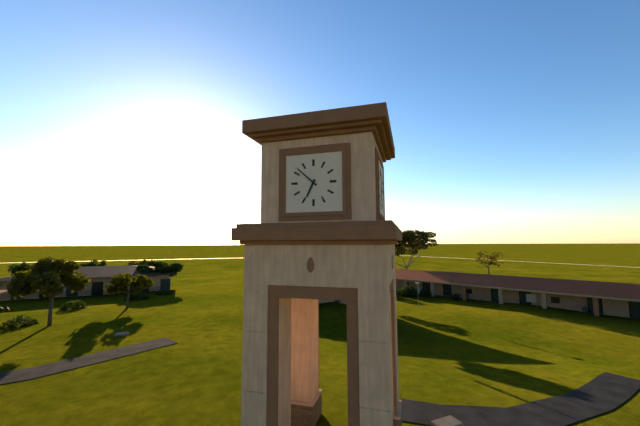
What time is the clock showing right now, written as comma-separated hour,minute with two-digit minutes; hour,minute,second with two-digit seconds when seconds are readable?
6,52
